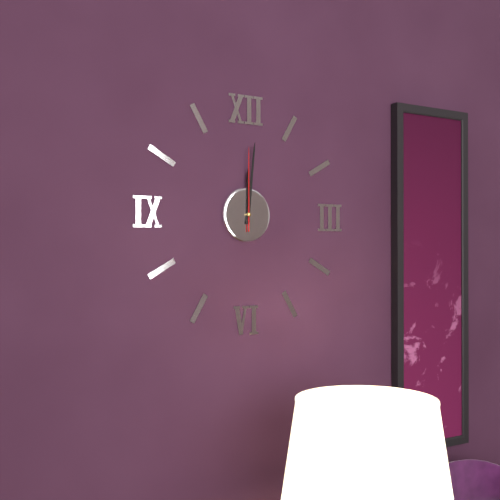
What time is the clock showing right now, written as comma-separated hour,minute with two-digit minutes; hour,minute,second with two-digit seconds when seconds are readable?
12,01,00
